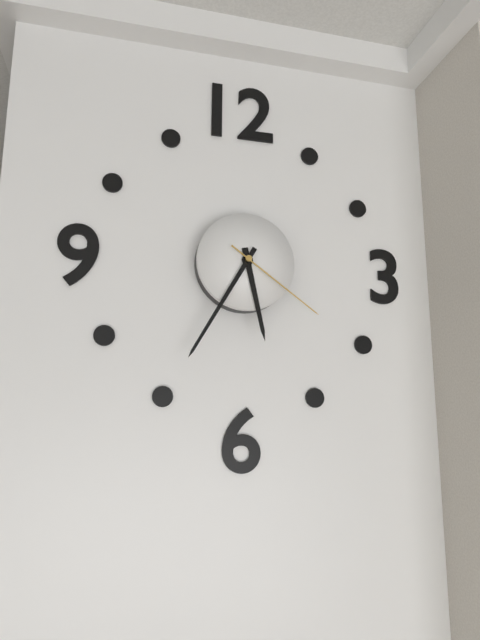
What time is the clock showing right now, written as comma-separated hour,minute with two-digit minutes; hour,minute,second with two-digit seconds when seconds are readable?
5,35,21
